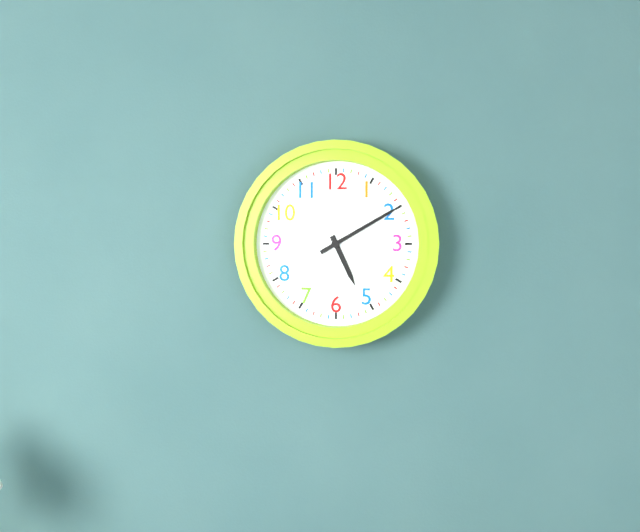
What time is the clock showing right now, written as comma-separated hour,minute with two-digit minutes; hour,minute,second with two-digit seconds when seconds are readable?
5,10
